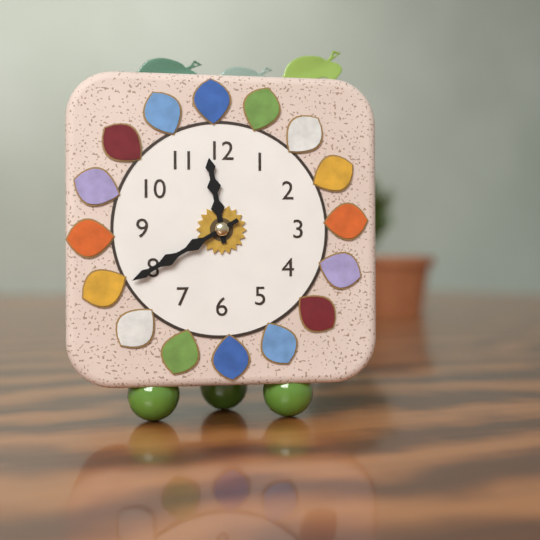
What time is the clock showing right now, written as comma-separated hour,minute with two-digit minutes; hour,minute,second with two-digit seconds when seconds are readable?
11,40
